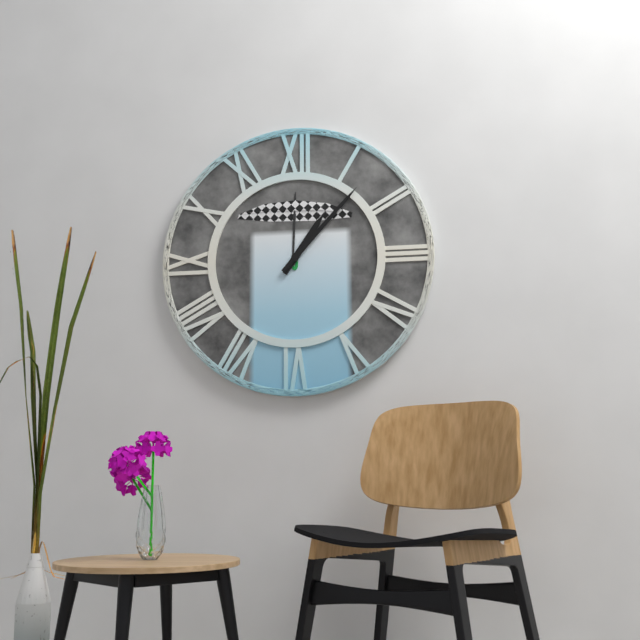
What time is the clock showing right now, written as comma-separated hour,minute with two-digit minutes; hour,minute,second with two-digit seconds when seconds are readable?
1,07
